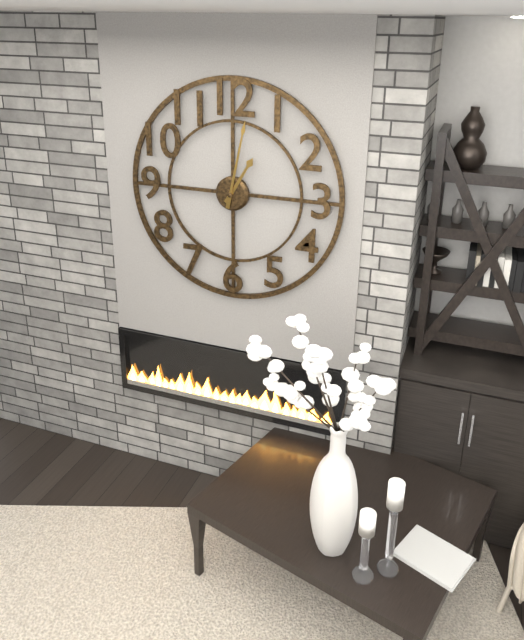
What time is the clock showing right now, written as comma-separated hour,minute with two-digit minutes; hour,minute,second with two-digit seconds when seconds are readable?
1,02
